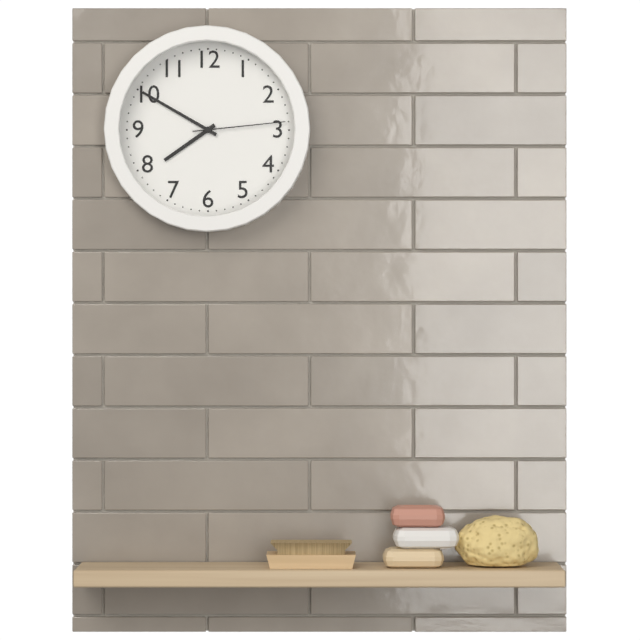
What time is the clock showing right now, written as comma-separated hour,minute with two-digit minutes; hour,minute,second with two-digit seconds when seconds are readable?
7,50,14
